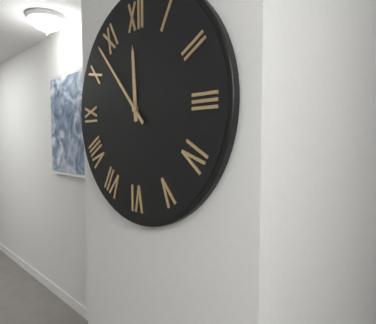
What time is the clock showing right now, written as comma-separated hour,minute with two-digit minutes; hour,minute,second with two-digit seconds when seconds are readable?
11,53
